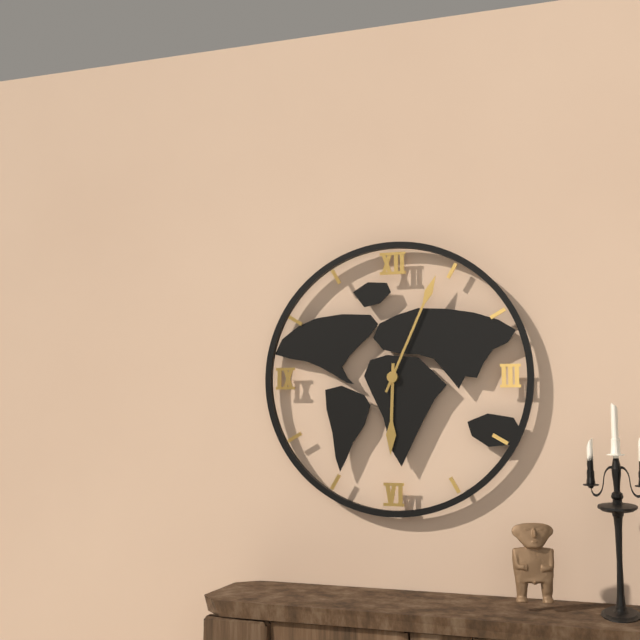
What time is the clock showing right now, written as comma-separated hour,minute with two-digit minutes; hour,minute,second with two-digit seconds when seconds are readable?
6,04
